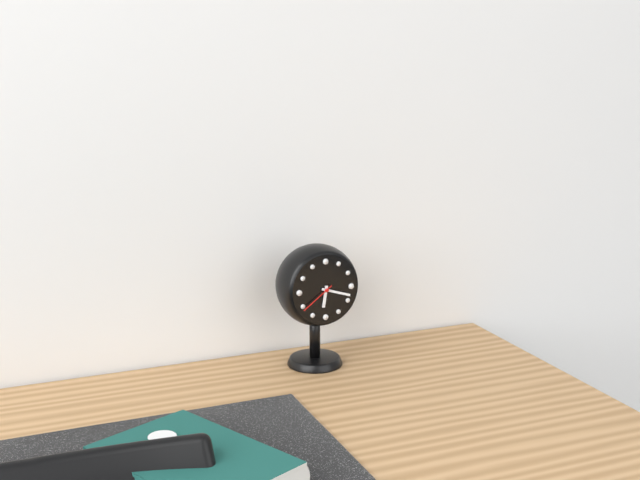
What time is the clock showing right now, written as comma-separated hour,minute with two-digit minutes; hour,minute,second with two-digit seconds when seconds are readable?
6,18
